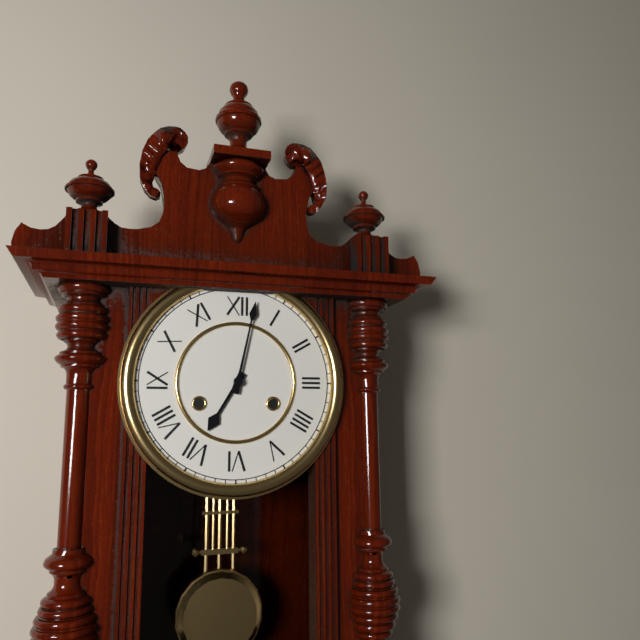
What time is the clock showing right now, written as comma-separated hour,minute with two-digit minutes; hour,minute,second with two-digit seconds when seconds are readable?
7,02
